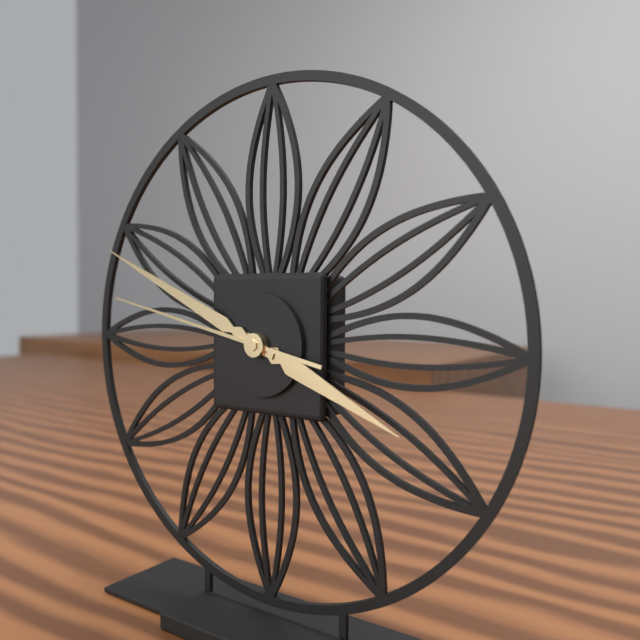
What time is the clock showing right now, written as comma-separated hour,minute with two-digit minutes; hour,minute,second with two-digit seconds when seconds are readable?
3,49,47
